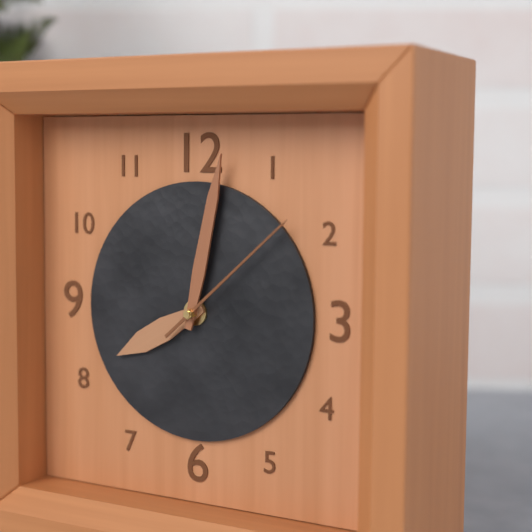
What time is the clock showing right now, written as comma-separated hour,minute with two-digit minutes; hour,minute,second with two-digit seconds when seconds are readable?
8,02,08
